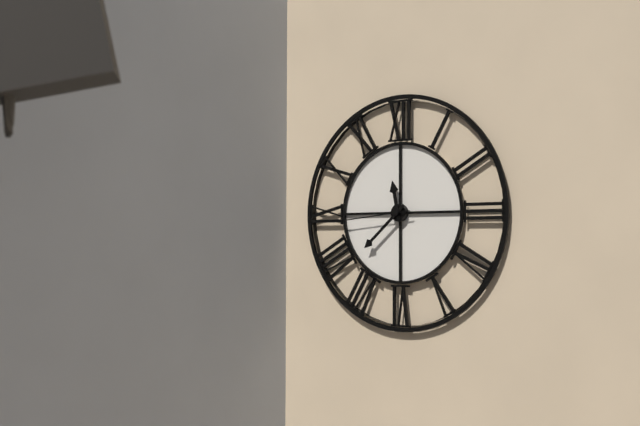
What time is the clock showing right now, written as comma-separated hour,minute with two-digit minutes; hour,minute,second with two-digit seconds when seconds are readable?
11,38,44
